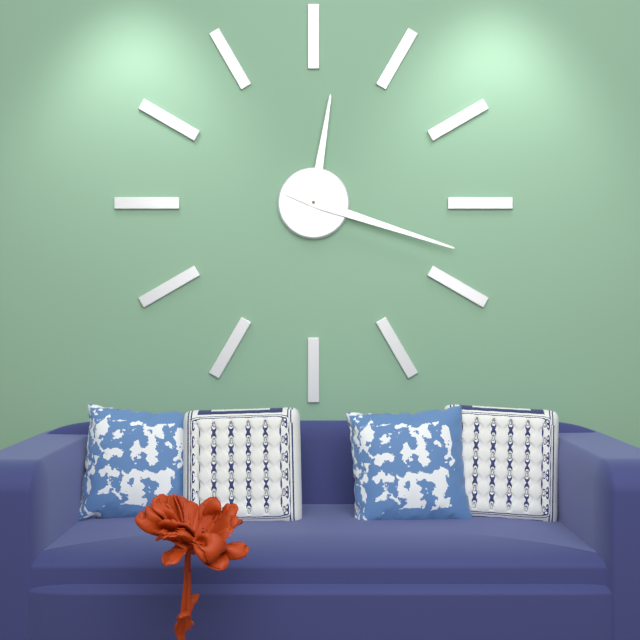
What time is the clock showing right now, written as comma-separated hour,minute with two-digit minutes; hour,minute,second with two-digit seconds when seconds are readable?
12,18
